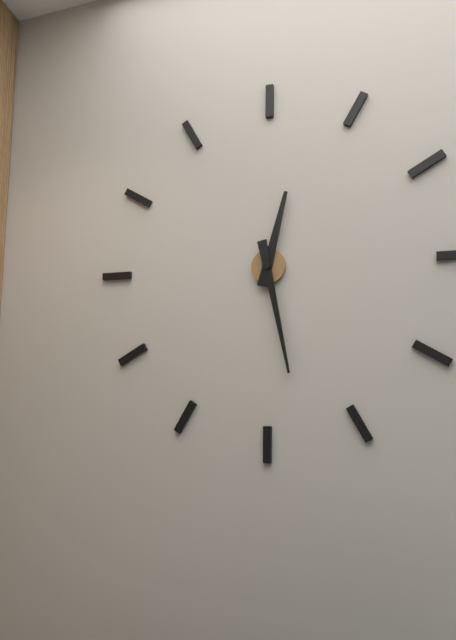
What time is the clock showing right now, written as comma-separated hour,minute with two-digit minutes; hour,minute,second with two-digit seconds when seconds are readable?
12,28
